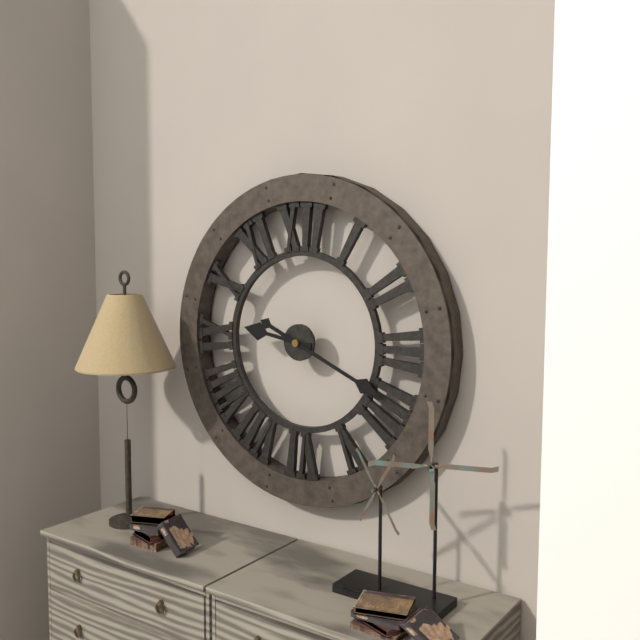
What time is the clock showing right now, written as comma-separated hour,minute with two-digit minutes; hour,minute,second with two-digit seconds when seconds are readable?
9,19
